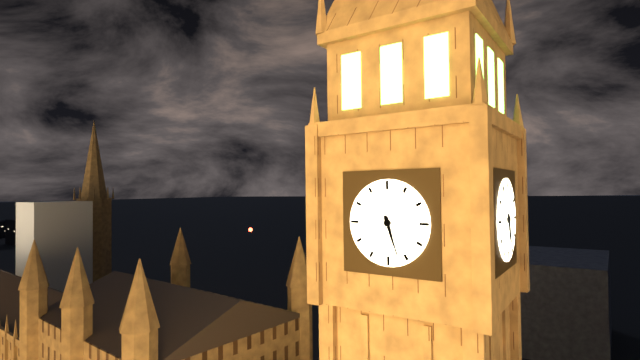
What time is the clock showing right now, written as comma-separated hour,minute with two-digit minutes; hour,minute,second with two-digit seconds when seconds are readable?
5,27
